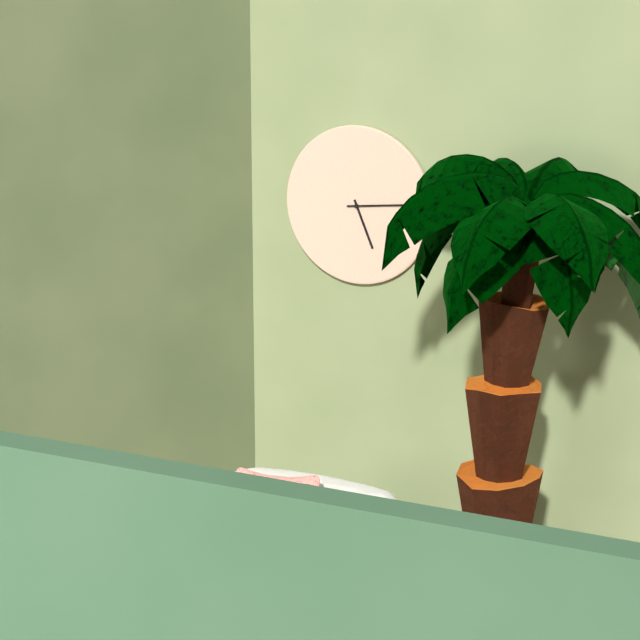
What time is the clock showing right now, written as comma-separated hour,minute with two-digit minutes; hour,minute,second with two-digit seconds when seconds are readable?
5,14
